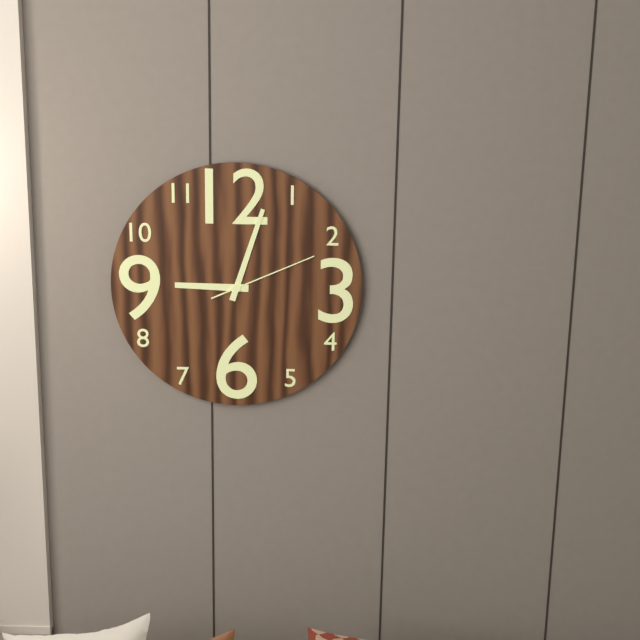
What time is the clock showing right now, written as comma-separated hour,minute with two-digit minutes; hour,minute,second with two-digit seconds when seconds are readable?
9,03,11
